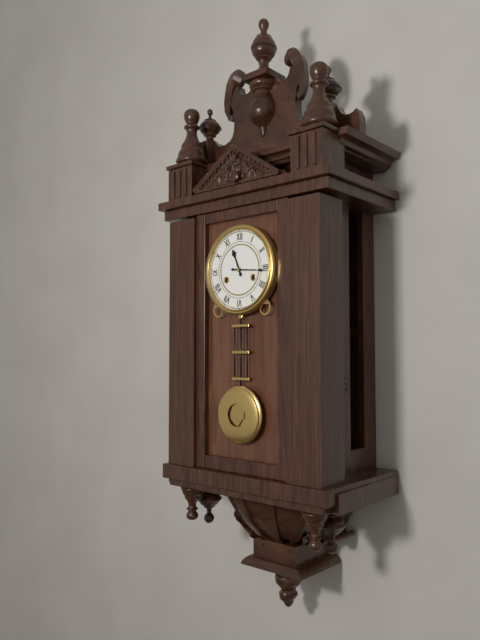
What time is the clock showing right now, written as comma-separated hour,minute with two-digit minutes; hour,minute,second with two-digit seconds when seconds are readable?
11,16
